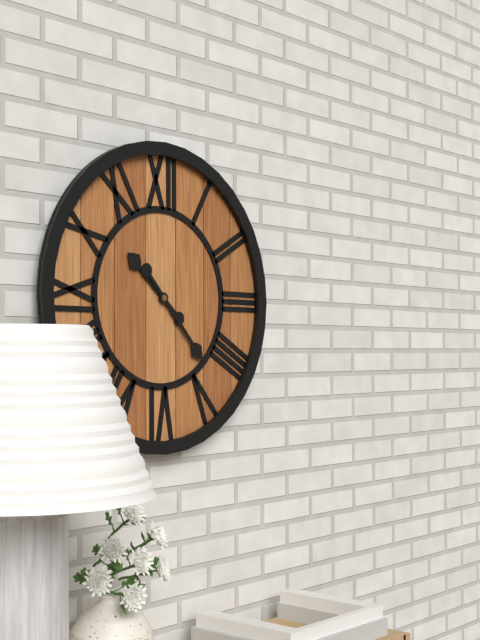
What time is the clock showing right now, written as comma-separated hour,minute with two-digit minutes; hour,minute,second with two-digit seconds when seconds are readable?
10,23
